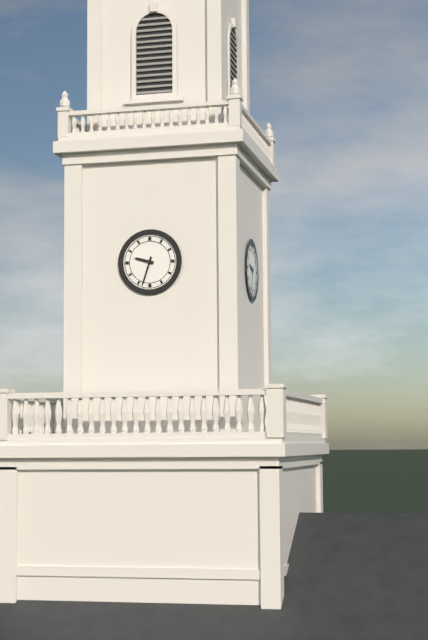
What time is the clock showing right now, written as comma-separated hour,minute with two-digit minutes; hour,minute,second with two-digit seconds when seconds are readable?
9,33
